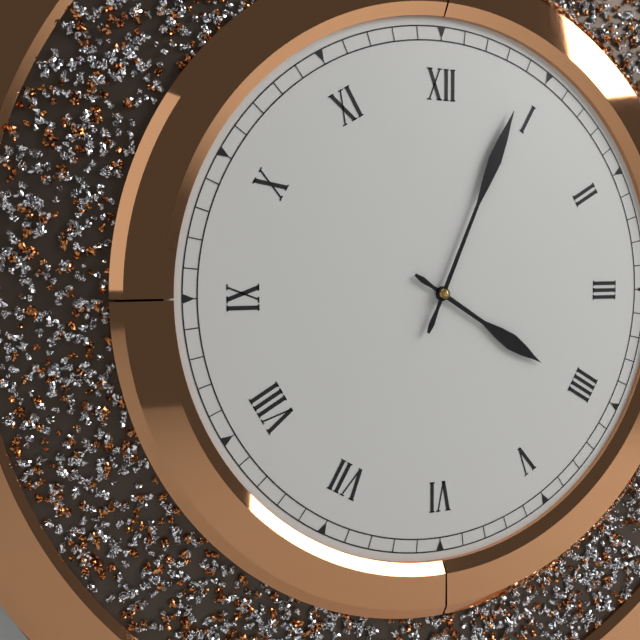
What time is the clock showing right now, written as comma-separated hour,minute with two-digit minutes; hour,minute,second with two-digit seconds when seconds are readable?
4,04
